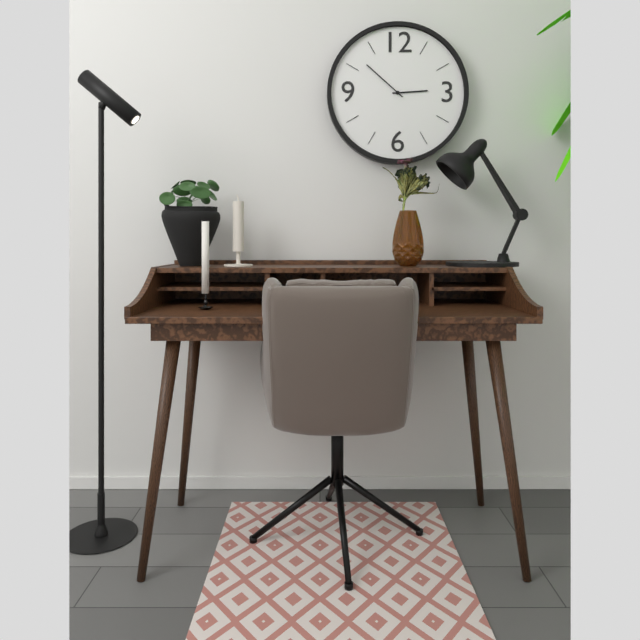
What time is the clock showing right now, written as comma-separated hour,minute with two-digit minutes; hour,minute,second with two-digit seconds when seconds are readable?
2,52
